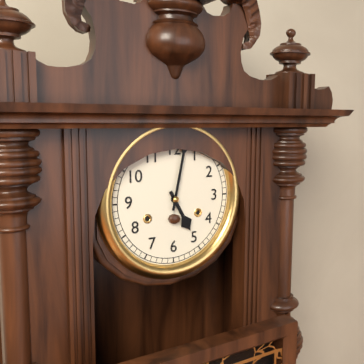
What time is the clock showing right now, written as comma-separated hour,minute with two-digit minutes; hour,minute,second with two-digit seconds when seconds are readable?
5,02
